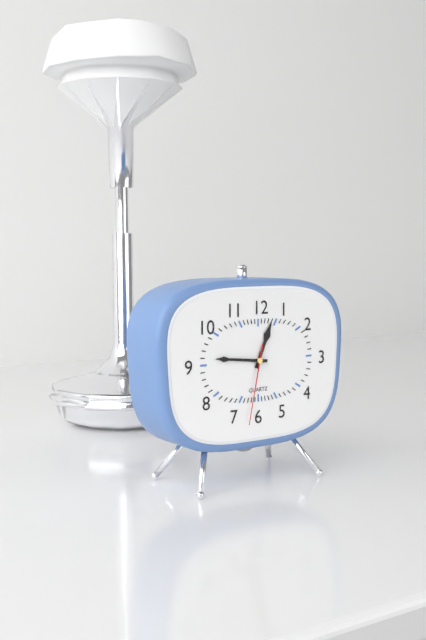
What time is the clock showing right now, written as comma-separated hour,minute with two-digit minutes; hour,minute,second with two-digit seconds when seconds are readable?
12,46,32
